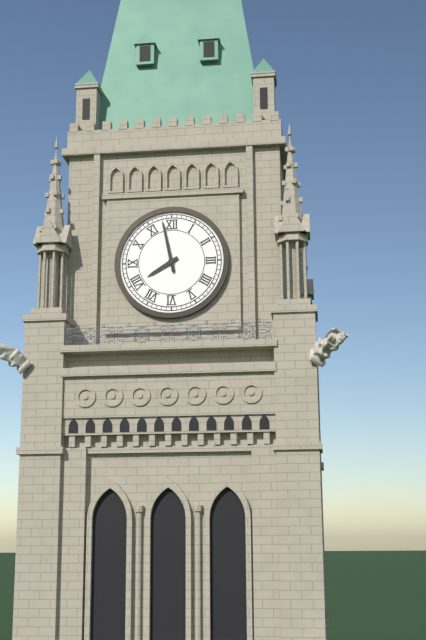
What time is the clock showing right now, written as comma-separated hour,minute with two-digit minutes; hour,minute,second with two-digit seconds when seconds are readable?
7,58
